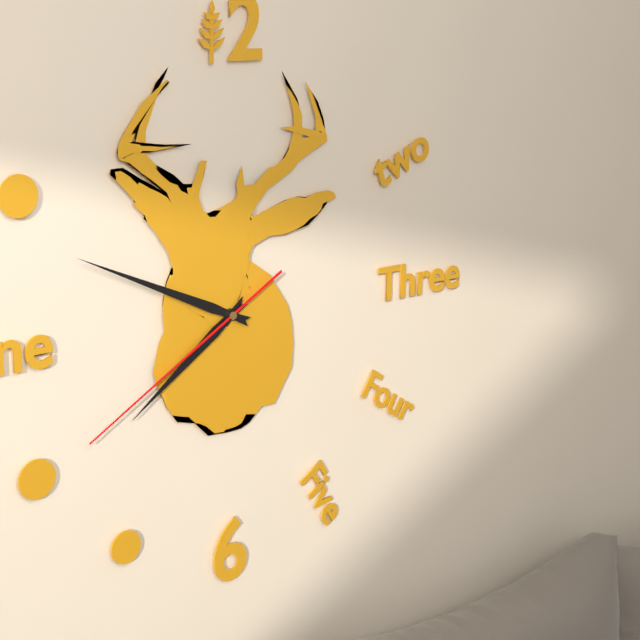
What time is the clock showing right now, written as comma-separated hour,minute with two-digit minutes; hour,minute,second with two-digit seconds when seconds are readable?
7,49,40
